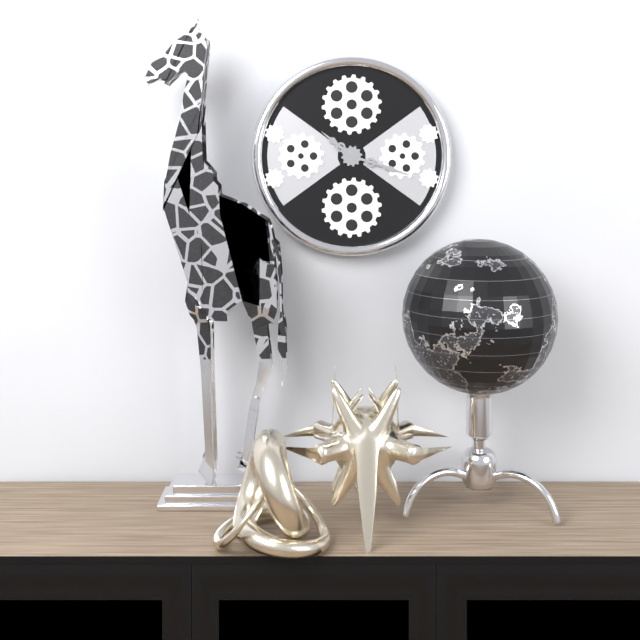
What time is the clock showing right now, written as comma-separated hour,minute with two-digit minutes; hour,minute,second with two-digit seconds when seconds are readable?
10,18
